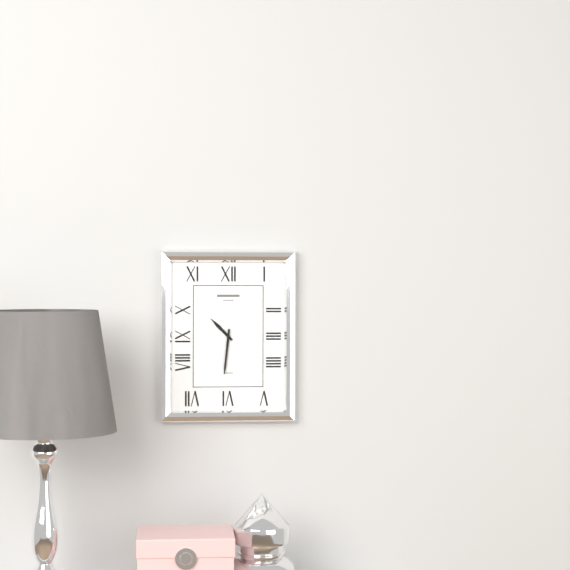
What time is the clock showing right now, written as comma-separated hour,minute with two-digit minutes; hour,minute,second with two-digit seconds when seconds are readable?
10,31
